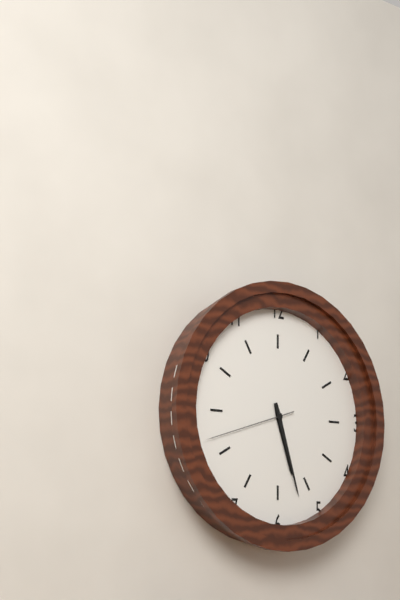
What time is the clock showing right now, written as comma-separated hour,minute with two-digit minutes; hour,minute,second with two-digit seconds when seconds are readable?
5,27,42
